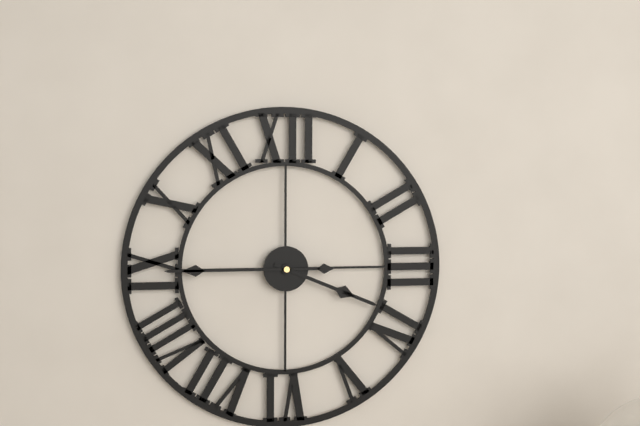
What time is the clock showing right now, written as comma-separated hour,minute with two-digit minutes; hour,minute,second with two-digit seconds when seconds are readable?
3,45
